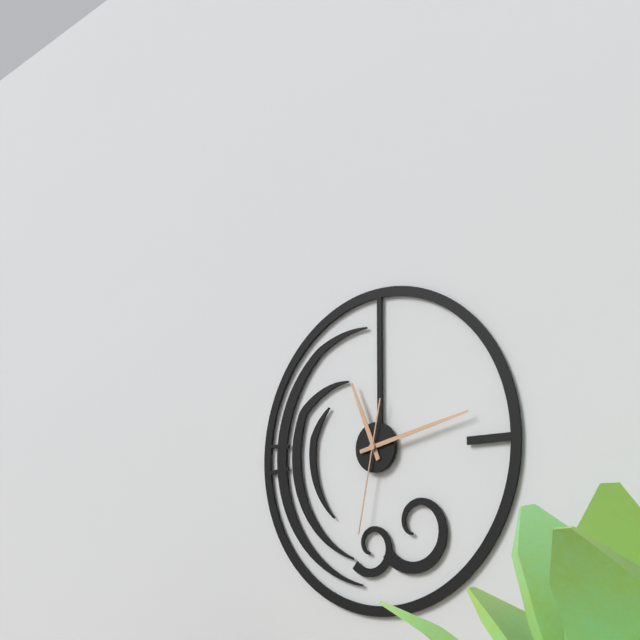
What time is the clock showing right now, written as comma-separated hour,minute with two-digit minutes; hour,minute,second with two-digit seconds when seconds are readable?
11,13,32
